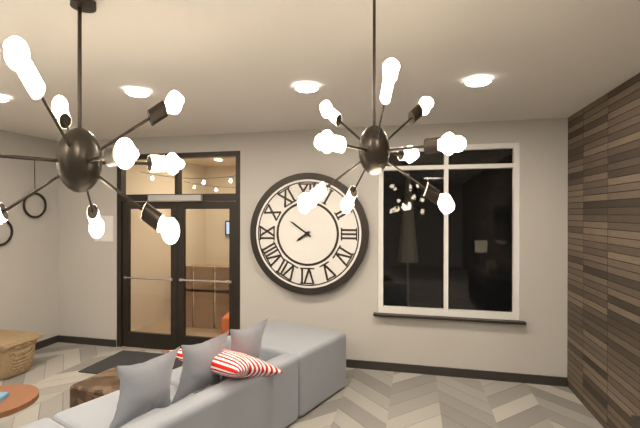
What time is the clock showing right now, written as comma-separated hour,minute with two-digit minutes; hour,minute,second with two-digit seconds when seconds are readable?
7,51
